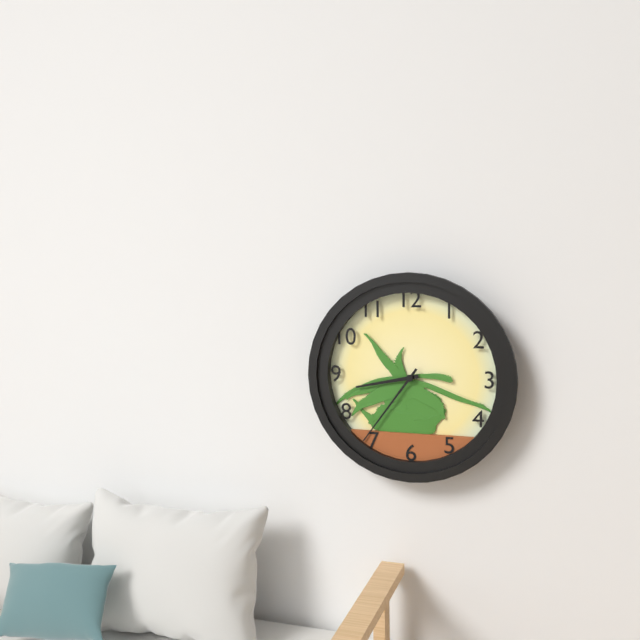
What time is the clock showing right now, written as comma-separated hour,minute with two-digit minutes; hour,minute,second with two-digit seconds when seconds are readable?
8,36
